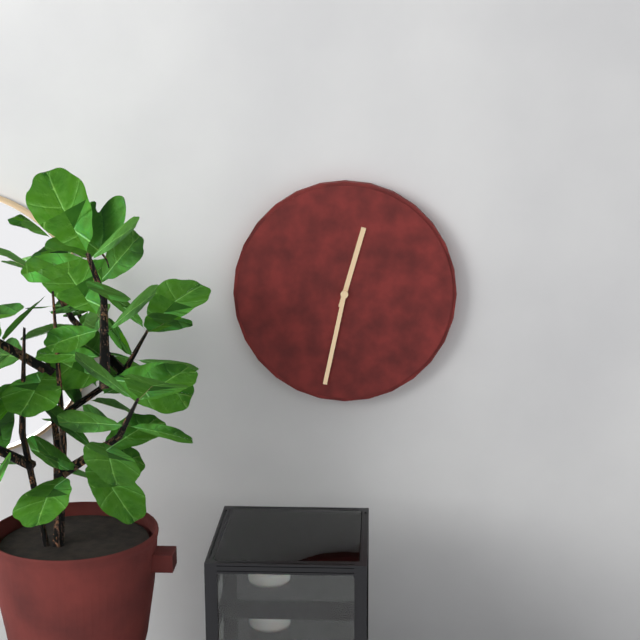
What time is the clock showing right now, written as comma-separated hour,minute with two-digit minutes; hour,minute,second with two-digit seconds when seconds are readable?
12,32
